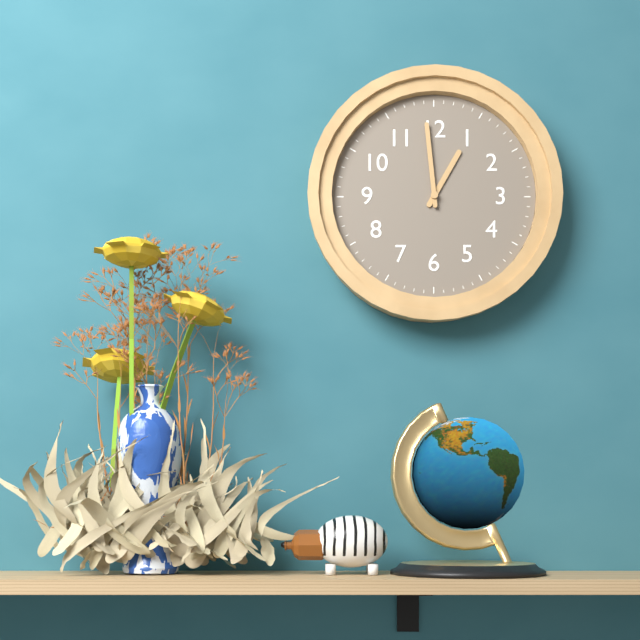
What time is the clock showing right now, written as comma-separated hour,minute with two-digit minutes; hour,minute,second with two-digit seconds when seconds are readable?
12,59
